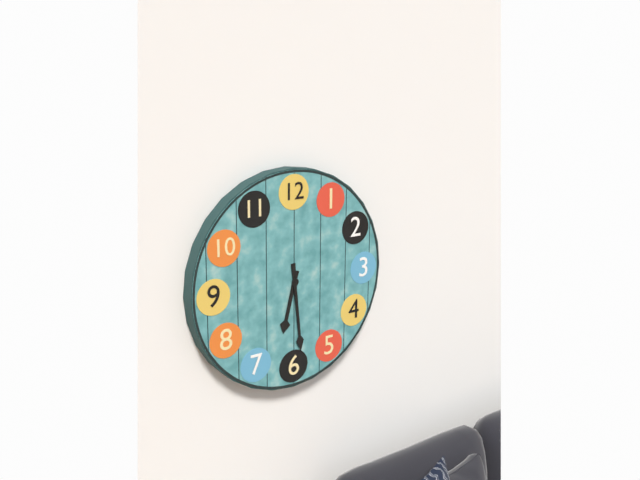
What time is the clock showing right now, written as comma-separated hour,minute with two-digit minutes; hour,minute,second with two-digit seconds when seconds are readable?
6,29
